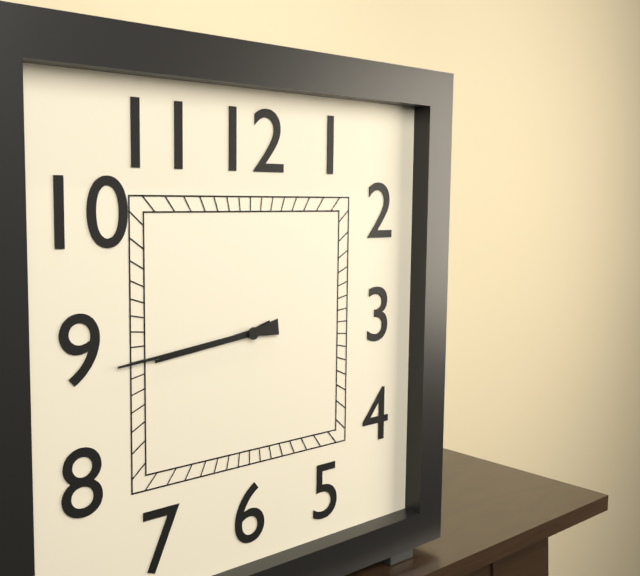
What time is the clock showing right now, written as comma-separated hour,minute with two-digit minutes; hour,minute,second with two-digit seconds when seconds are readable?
8,44
